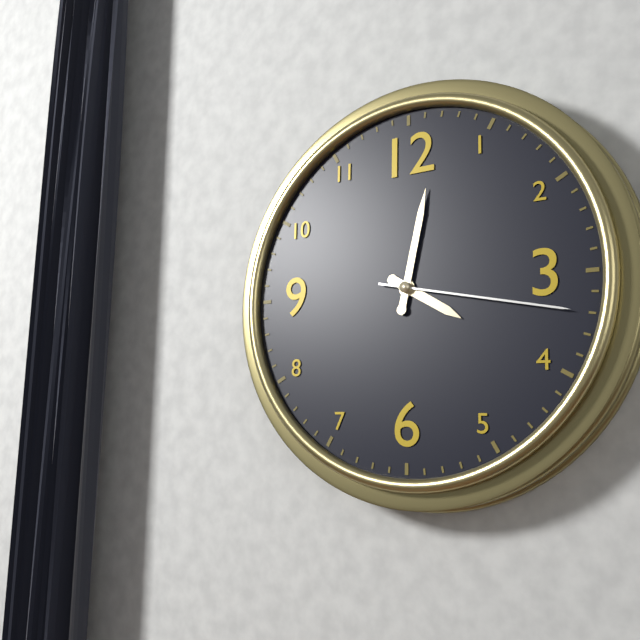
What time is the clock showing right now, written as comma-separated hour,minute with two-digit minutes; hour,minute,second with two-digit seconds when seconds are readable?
4,02,17
